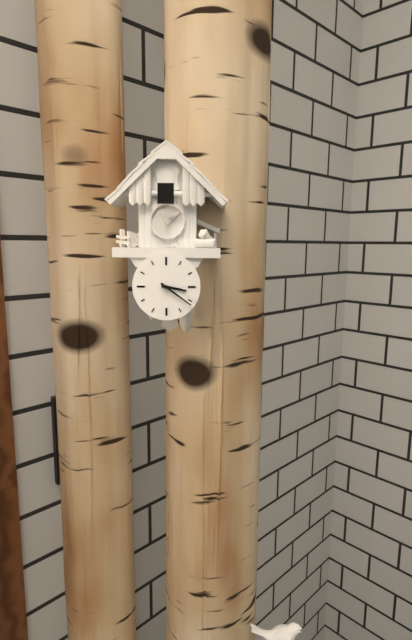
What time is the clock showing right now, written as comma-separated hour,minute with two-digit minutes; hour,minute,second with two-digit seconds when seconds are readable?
3,21
